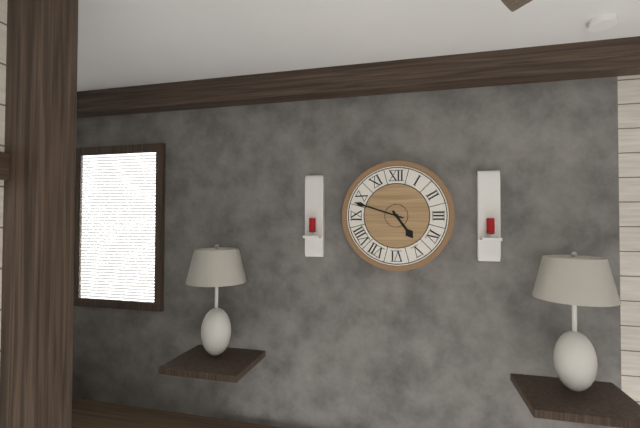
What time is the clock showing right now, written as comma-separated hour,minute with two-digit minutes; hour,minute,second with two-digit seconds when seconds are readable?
4,48
